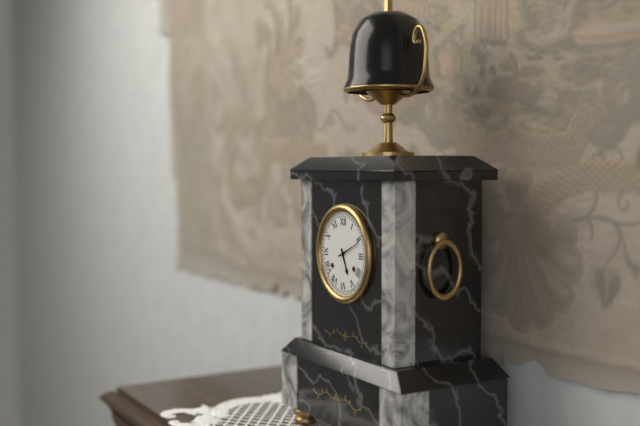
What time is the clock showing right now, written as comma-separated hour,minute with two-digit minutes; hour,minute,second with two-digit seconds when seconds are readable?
5,11
